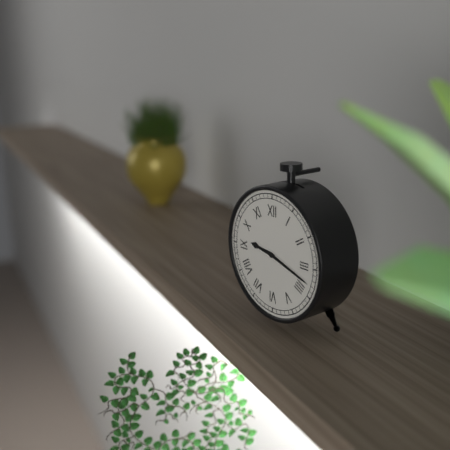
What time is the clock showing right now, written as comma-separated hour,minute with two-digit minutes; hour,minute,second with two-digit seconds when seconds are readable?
9,18
